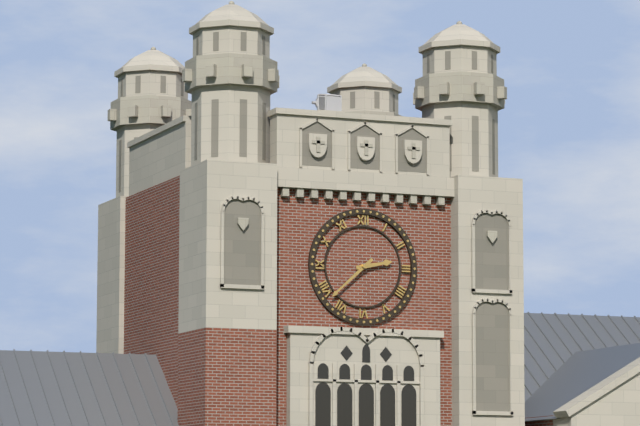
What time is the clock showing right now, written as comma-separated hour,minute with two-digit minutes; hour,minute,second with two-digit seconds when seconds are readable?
2,38
